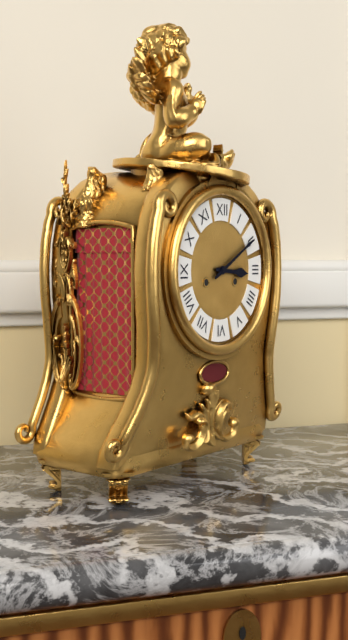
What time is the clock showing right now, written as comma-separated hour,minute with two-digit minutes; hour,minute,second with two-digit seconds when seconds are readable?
3,10
